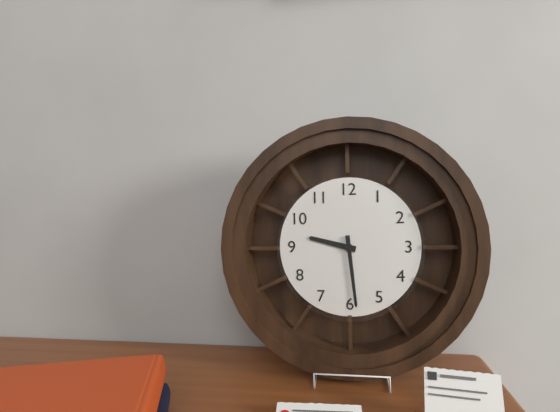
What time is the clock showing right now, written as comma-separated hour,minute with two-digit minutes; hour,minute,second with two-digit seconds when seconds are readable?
9,29
